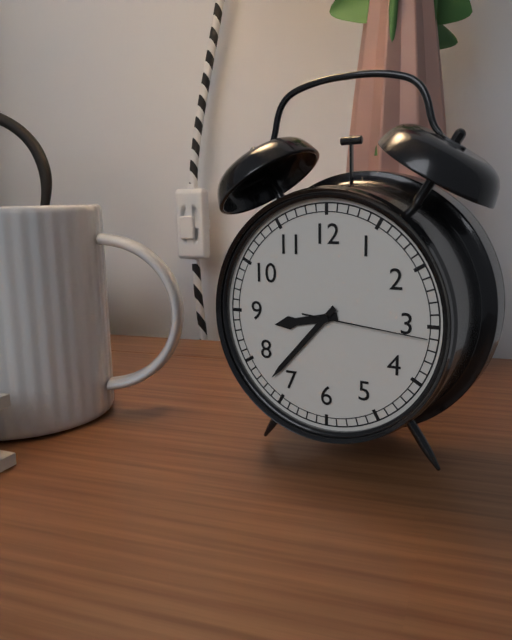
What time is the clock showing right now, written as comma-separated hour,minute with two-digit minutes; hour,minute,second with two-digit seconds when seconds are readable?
8,37,16
